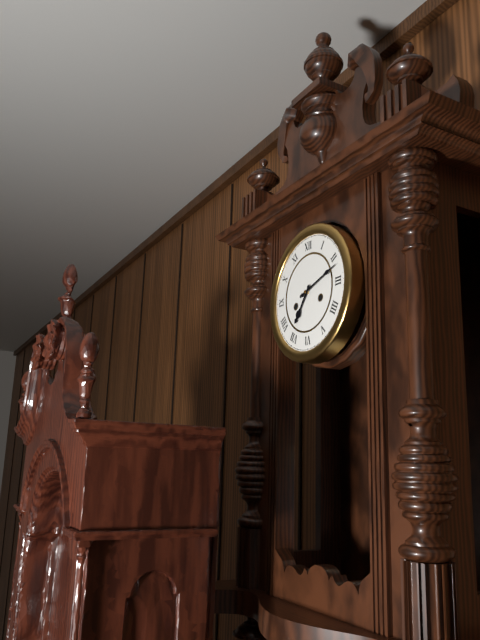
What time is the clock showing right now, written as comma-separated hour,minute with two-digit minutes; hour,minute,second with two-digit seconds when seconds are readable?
7,12
